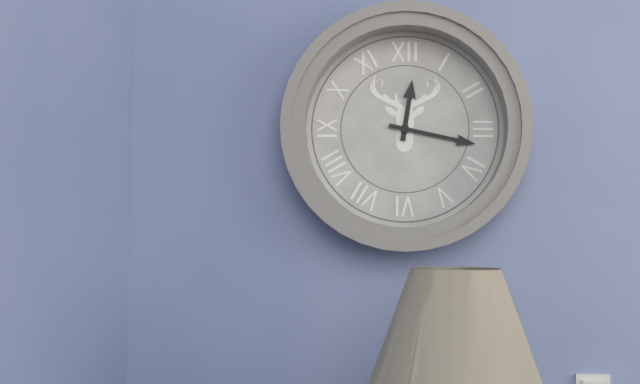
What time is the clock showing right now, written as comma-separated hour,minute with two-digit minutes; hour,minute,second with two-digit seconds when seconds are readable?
12,17
